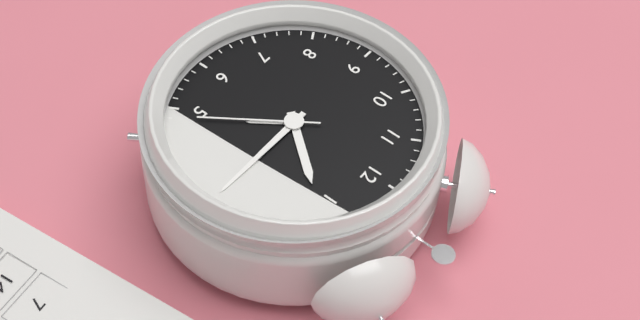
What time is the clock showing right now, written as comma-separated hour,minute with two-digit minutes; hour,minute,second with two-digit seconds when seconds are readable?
1,15,24
